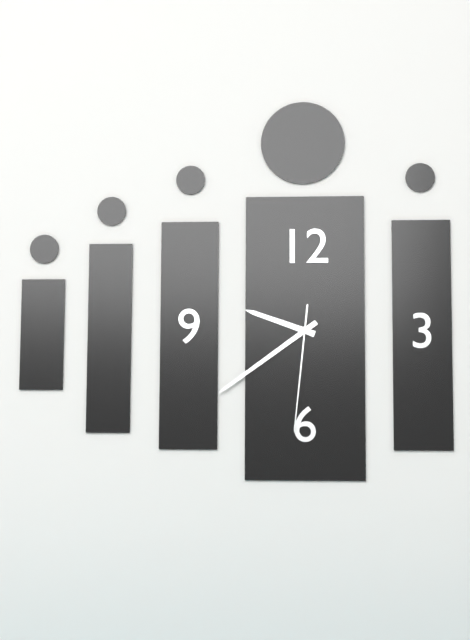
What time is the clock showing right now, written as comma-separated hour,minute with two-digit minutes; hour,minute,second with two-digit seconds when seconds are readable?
9,39,31
